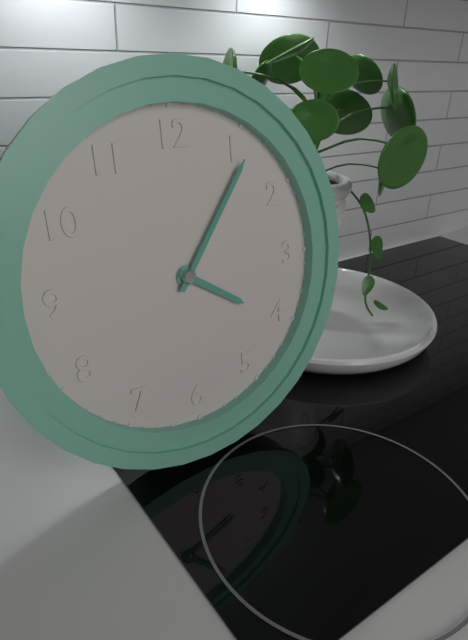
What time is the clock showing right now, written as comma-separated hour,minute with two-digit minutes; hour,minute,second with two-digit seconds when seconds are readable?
4,06
